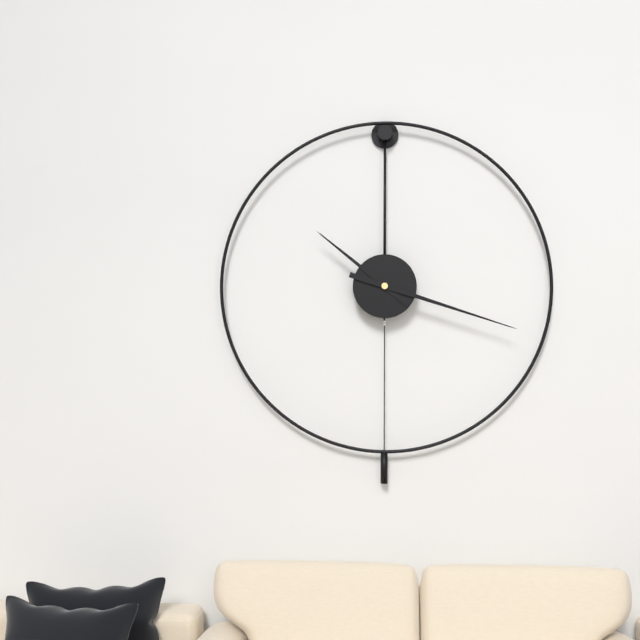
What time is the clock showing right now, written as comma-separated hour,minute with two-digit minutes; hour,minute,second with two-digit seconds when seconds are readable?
10,18
